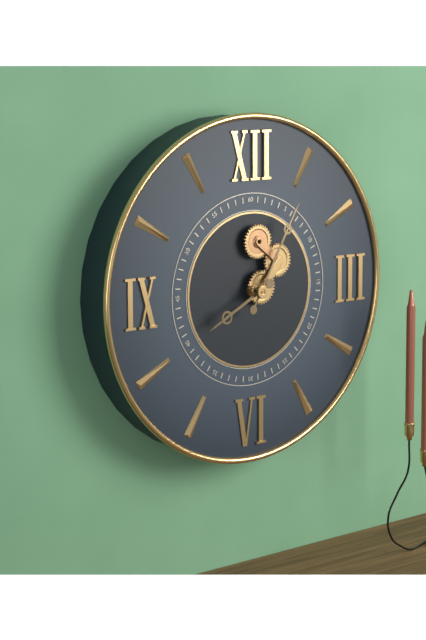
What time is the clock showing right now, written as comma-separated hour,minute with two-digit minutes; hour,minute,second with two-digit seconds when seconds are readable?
8,05
